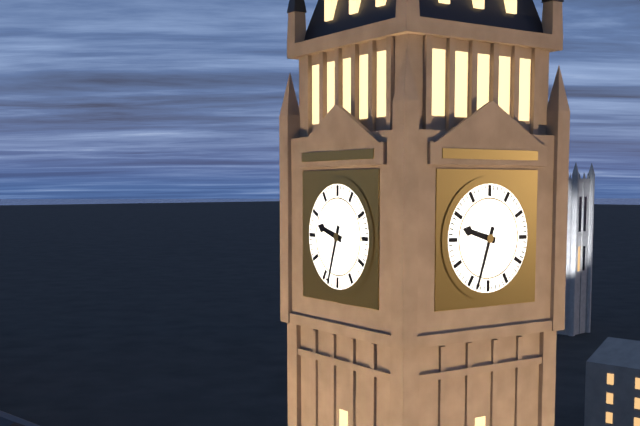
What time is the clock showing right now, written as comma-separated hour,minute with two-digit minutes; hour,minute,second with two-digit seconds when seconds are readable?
9,33
